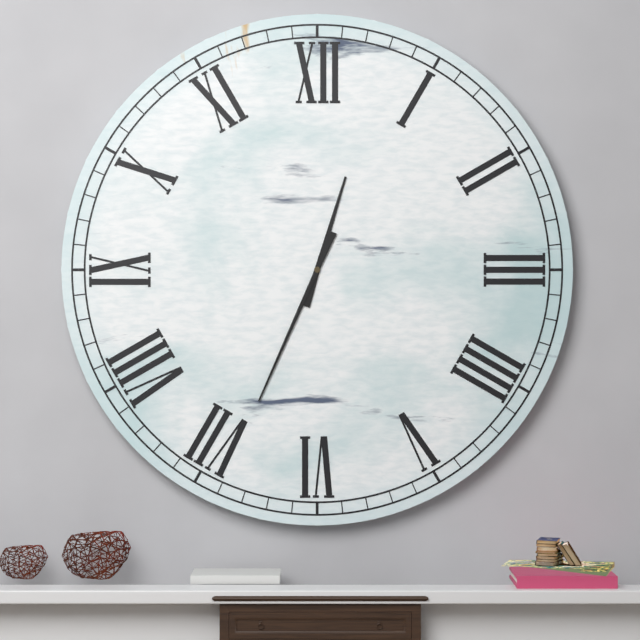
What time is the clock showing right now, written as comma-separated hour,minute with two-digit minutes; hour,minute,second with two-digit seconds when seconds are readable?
12,34
